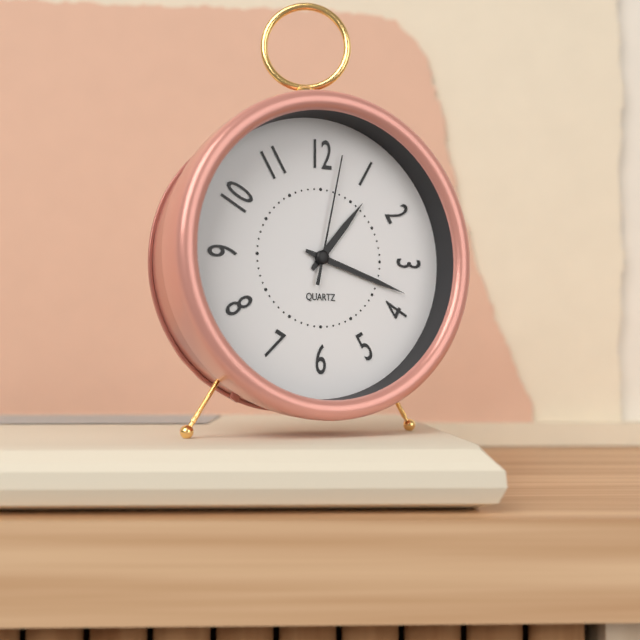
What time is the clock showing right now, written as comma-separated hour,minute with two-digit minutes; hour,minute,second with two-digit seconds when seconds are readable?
1,18,02
